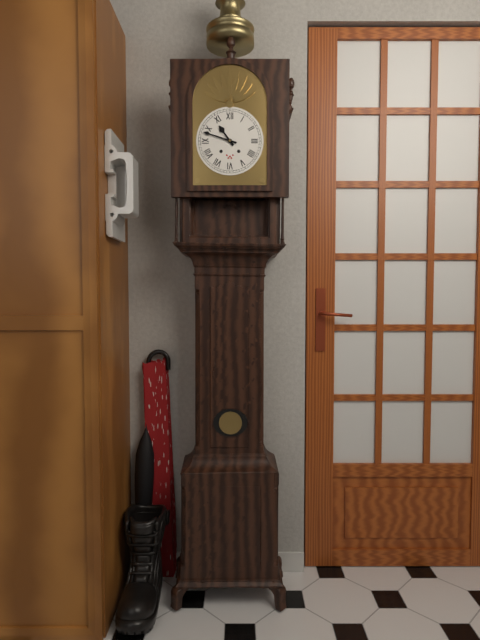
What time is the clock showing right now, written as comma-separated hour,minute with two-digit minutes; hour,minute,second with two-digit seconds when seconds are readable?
10,48
